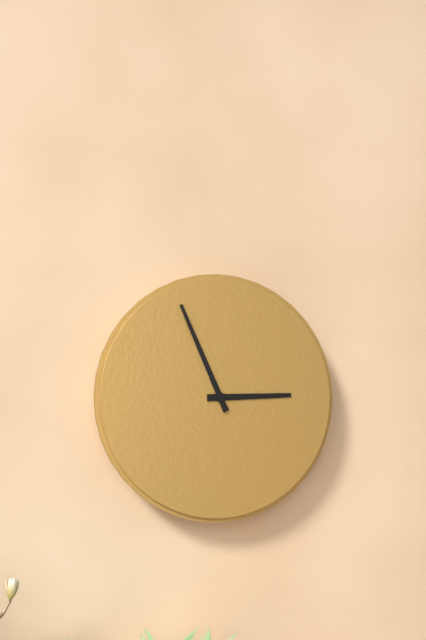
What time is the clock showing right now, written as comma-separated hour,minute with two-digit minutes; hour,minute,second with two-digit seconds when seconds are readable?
2,56
